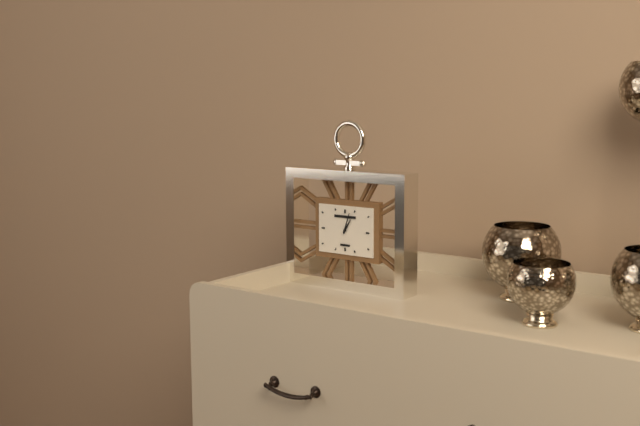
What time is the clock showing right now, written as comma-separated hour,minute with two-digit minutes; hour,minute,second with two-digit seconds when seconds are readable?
1,03
